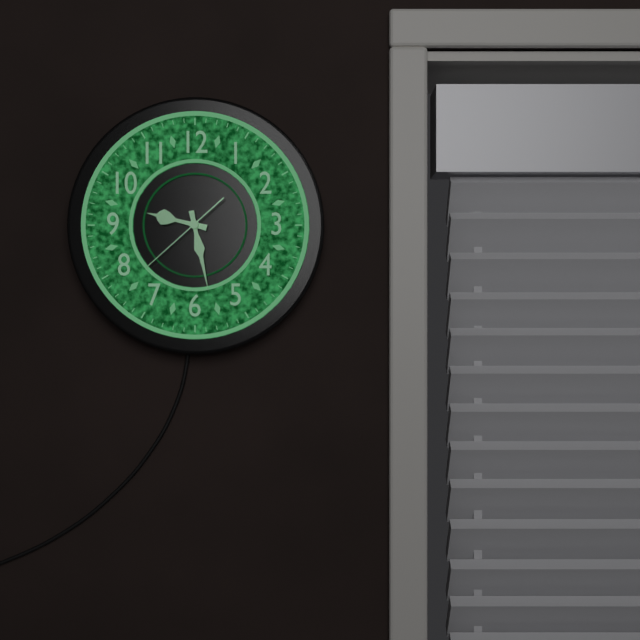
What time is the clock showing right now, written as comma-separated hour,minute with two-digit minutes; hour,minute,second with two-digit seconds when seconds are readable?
9,28,38
